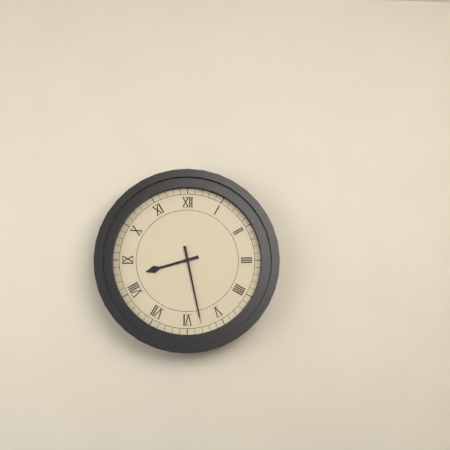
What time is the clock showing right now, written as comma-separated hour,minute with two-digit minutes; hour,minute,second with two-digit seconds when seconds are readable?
8,28
